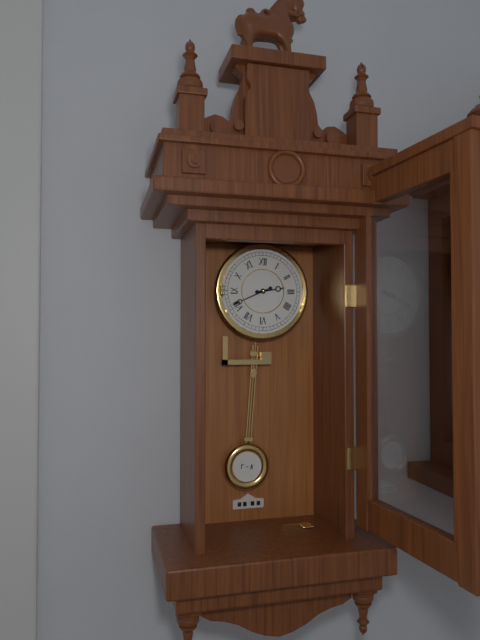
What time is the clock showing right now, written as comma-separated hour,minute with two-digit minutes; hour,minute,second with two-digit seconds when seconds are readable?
2,41
